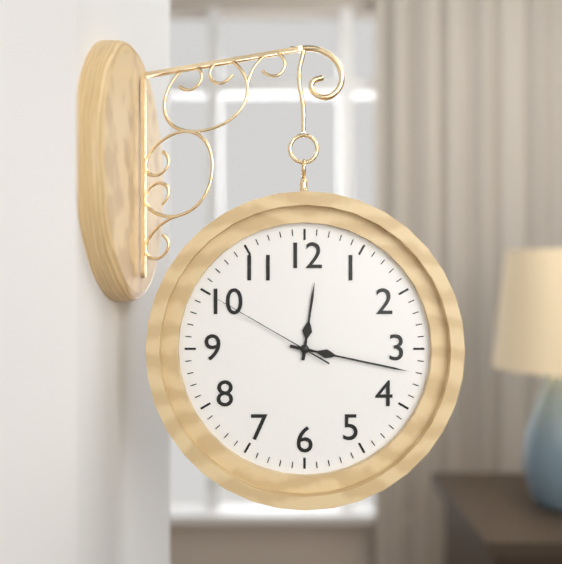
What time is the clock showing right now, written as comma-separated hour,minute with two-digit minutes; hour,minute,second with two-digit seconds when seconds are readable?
12,17,50
